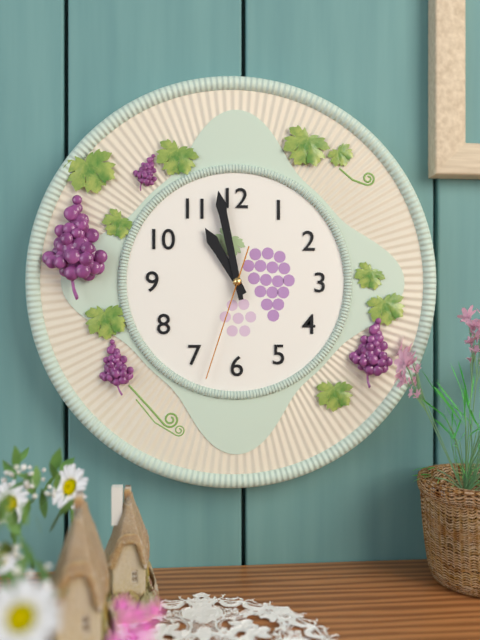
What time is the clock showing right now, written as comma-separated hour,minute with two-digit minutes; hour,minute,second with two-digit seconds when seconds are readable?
10,58,33
